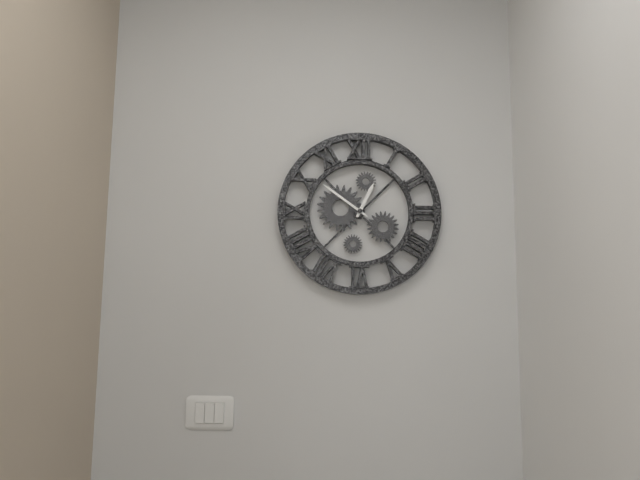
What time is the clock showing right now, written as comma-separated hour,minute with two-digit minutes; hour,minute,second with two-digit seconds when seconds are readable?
12,51
